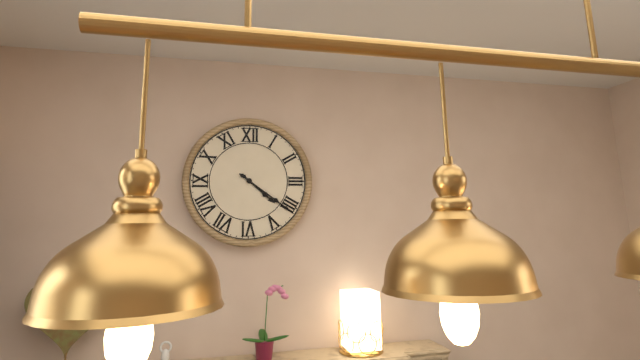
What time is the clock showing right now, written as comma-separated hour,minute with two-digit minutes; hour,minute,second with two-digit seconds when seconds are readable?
4,21
